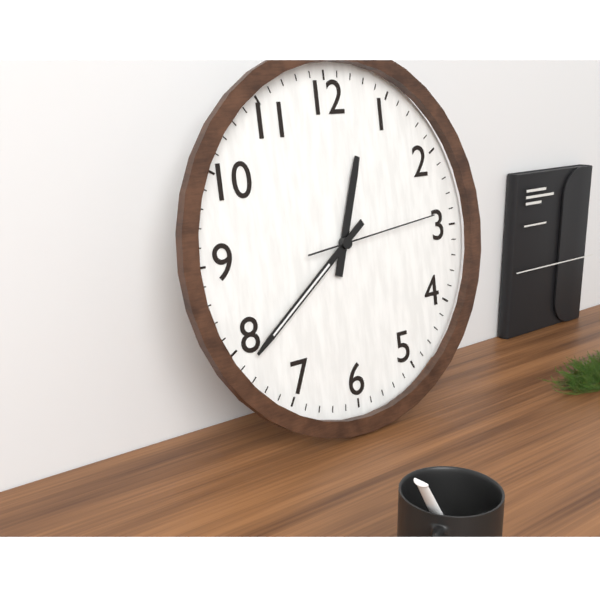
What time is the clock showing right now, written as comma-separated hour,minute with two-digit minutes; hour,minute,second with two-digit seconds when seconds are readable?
12,39,14
